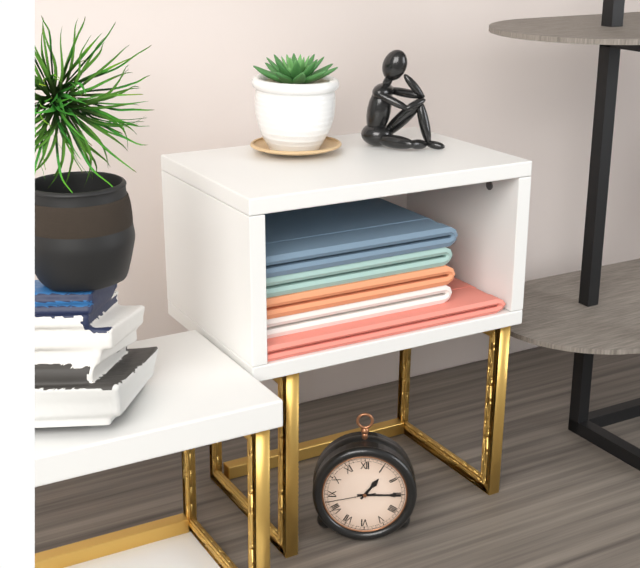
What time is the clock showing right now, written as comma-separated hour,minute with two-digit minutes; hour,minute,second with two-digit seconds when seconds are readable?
1,15,43
